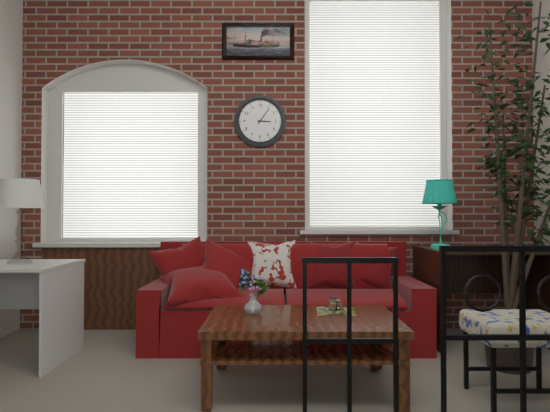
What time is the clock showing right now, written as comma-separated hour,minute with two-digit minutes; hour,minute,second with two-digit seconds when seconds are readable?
3,06
